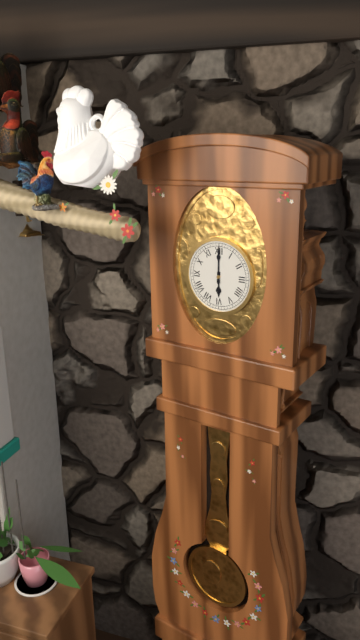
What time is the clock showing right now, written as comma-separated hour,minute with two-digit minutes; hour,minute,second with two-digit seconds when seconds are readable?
6,00
